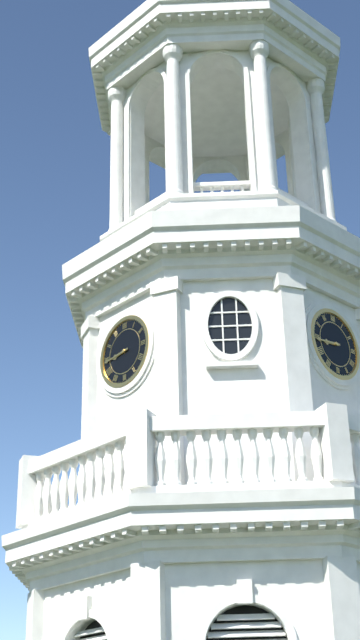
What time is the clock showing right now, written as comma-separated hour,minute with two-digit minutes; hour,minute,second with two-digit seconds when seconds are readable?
8,44
